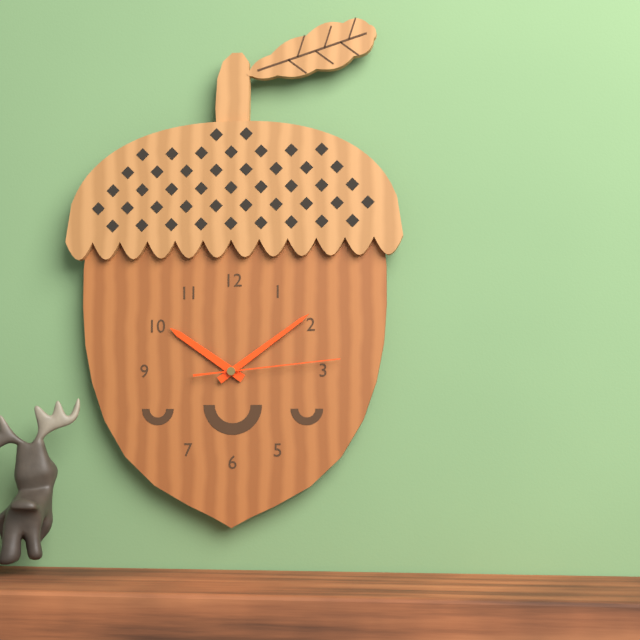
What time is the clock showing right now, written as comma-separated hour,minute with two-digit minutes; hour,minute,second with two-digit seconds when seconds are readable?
10,09,14
